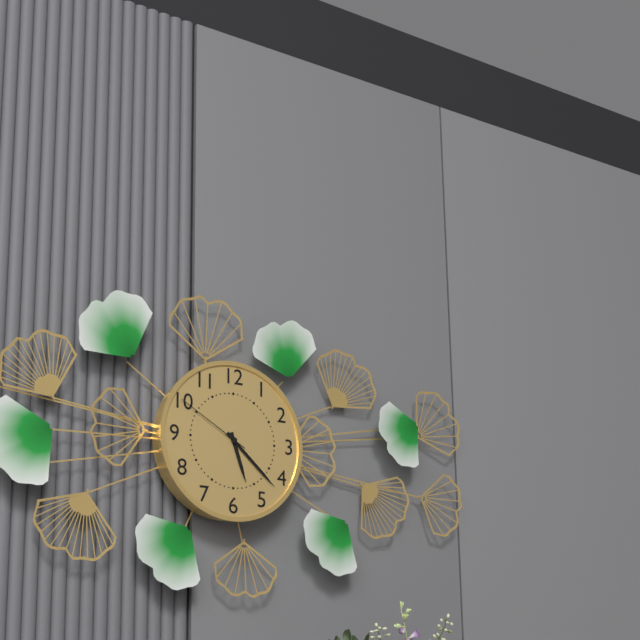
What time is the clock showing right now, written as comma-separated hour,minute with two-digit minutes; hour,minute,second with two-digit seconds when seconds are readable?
5,22,50
